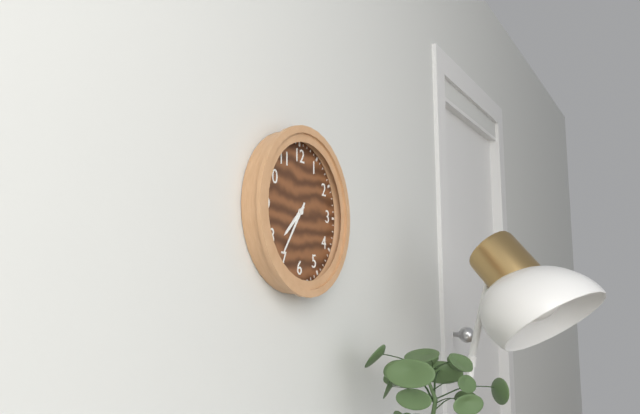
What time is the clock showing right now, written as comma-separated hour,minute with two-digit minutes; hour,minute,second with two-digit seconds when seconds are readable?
7,36
